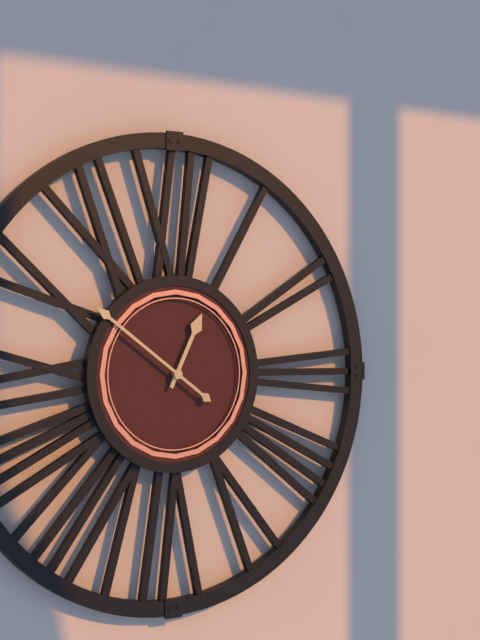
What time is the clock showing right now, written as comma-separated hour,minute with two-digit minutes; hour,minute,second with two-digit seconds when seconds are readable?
12,51
